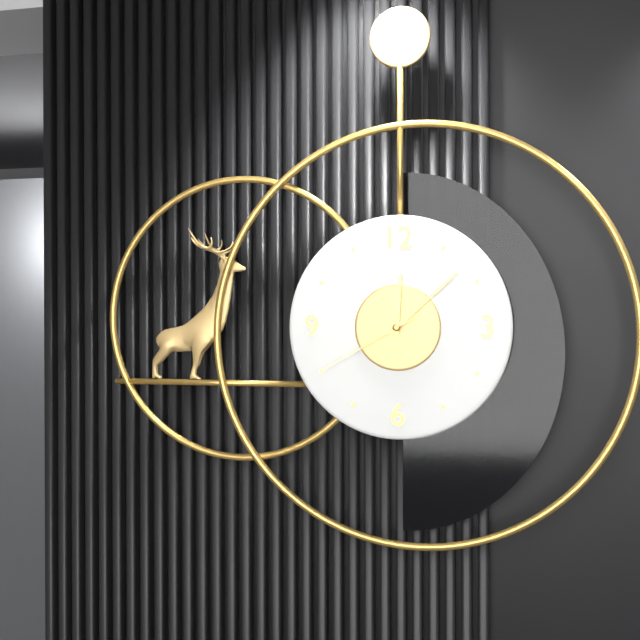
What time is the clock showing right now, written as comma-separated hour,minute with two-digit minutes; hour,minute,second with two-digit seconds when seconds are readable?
12,08,40
